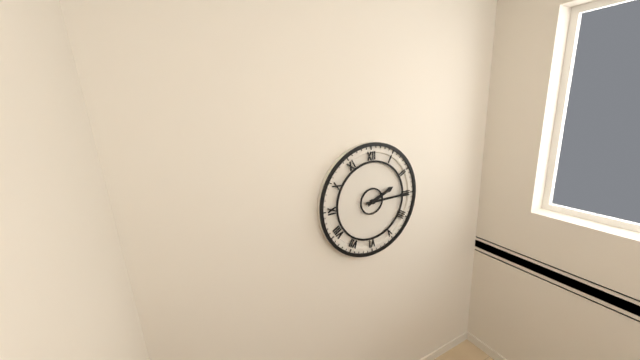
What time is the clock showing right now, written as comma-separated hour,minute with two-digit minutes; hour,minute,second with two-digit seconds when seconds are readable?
2,15
